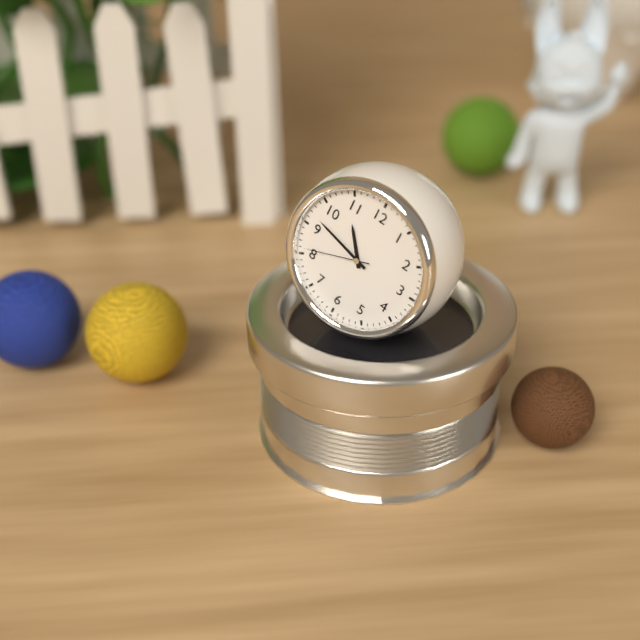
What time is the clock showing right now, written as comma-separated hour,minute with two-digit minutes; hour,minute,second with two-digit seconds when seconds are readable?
10,47,41
